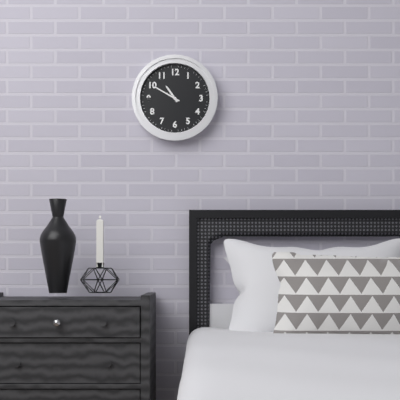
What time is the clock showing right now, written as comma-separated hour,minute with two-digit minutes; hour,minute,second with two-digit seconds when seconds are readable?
10,50
